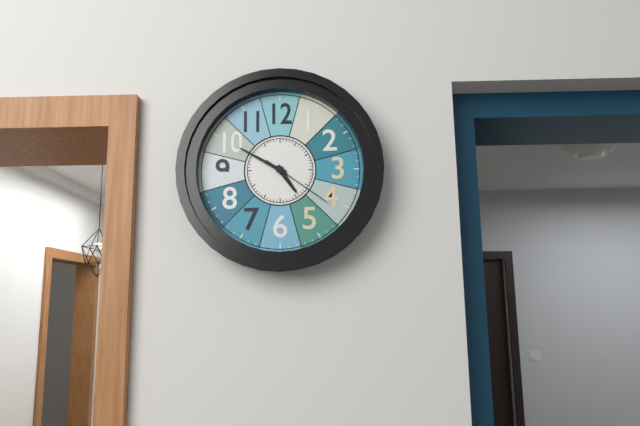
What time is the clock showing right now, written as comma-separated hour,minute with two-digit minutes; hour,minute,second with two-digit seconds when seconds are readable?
4,50,21
